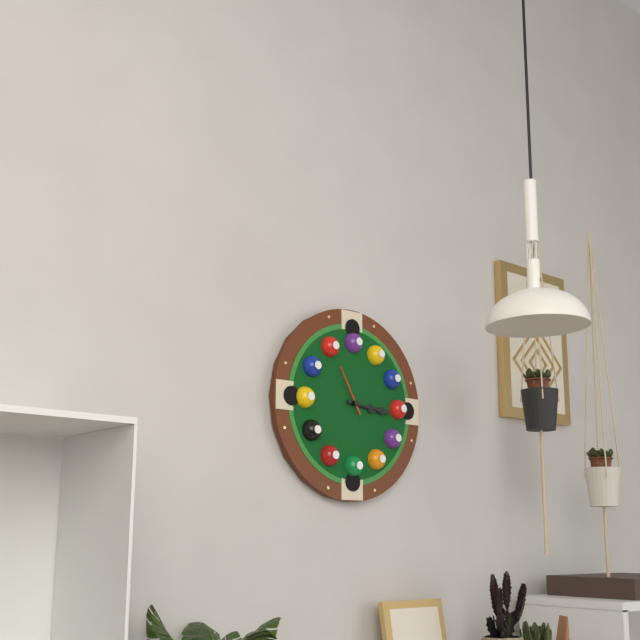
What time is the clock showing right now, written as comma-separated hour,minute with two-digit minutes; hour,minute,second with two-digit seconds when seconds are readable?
3,16,55
